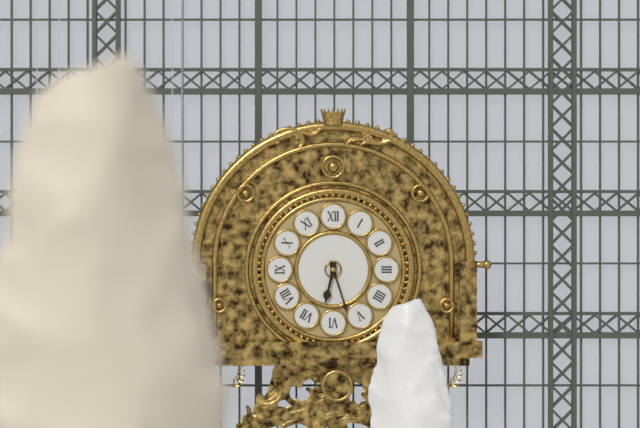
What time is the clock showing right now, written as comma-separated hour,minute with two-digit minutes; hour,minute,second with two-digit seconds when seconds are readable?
6,27
